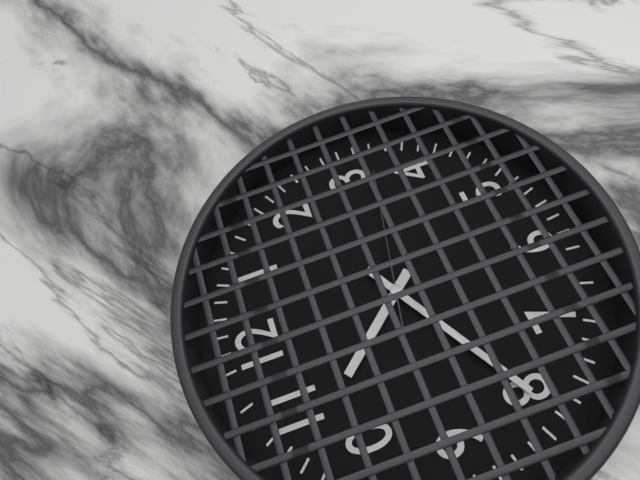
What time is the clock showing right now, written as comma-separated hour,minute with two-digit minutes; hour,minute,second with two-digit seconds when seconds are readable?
10,40,17
